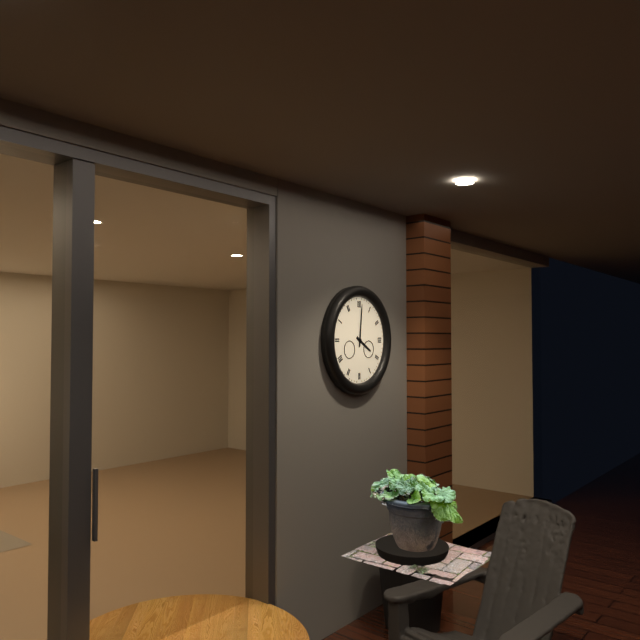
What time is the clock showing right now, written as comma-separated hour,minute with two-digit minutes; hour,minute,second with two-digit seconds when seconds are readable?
4,01
